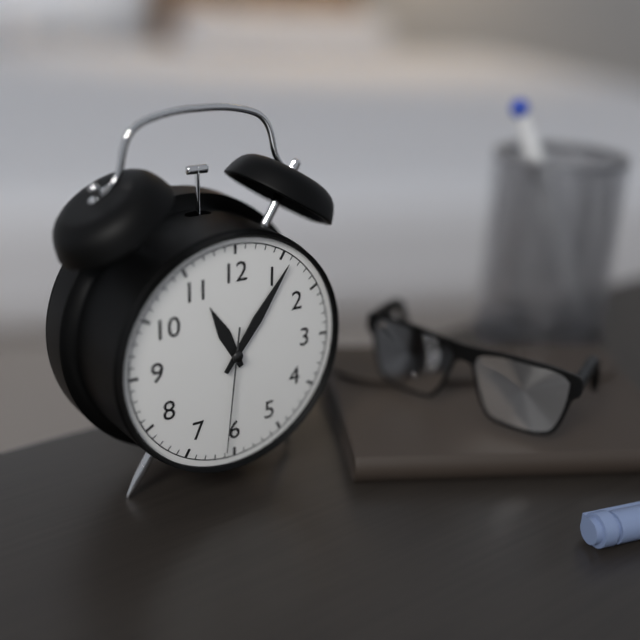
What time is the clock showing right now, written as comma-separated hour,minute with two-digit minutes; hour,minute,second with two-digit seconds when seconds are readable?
11,06,31
